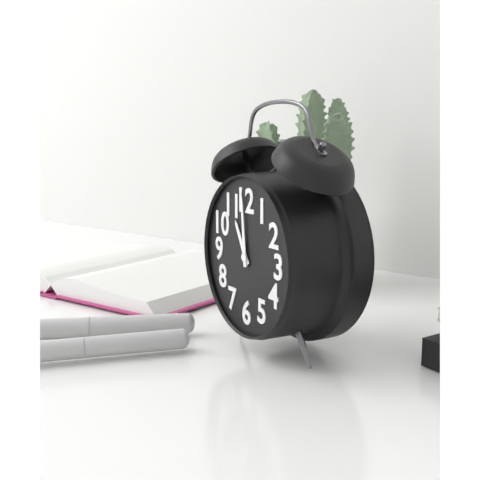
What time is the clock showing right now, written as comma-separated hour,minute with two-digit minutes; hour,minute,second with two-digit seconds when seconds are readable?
10,59
